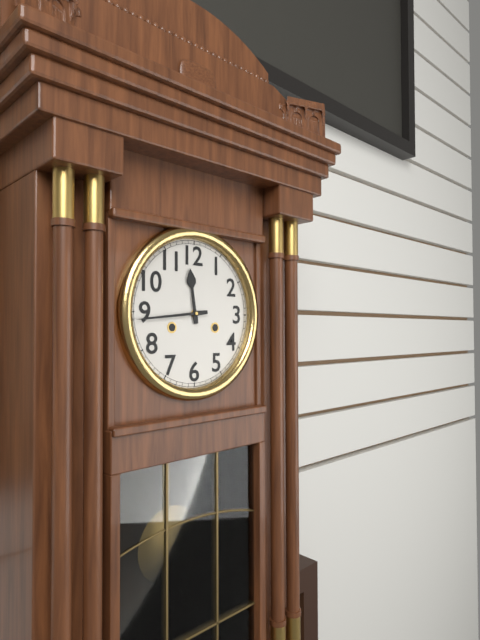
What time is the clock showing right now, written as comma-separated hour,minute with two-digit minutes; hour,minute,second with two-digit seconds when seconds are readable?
11,44
